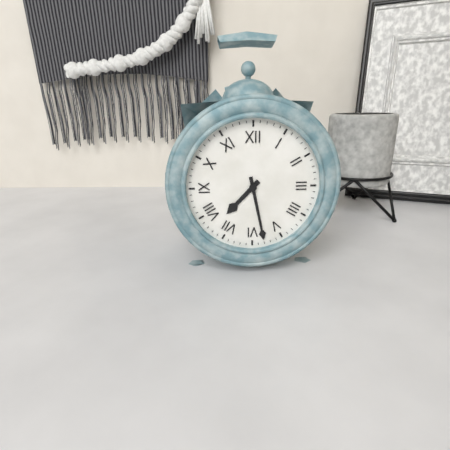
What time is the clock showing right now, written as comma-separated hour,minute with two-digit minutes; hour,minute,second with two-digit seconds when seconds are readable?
7,28
